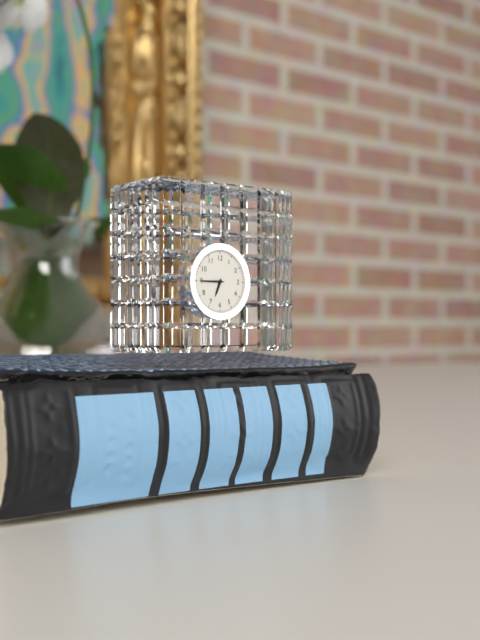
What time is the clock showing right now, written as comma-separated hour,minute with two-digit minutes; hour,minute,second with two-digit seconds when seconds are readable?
6,45
